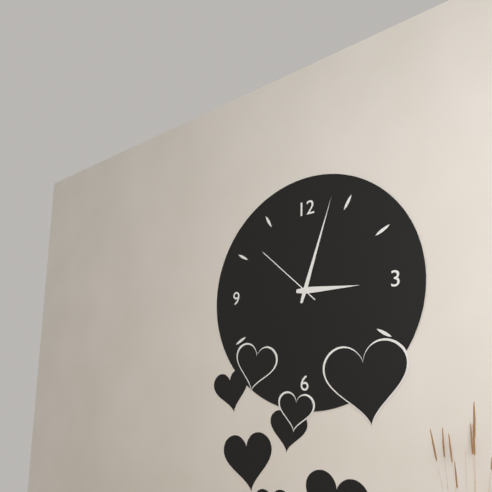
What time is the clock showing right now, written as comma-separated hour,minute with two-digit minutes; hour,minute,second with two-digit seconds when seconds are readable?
3,03,52
